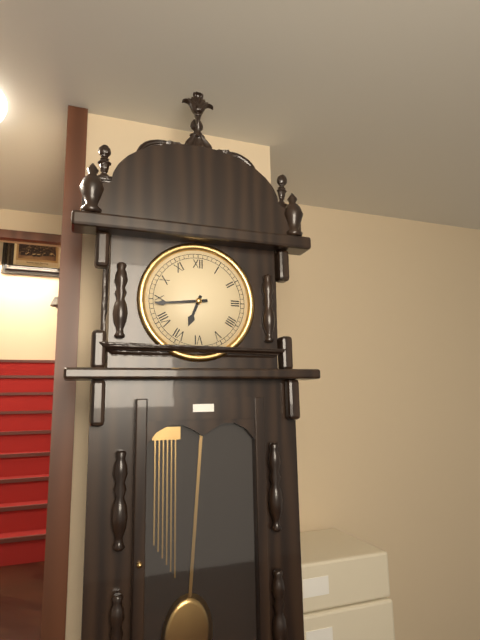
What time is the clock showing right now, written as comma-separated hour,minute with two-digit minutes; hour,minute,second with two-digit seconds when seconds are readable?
6,44
